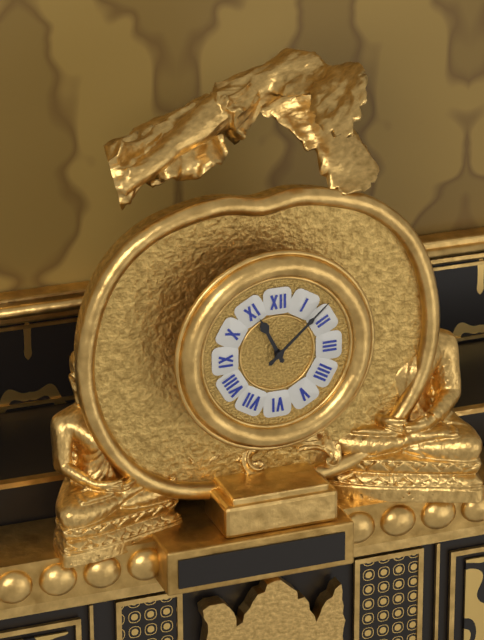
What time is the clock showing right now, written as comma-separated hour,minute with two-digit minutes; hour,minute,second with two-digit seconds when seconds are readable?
11,08
